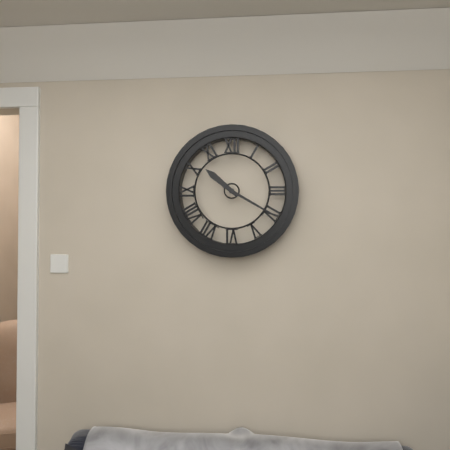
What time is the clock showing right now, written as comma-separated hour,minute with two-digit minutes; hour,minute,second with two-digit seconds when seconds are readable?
10,20
